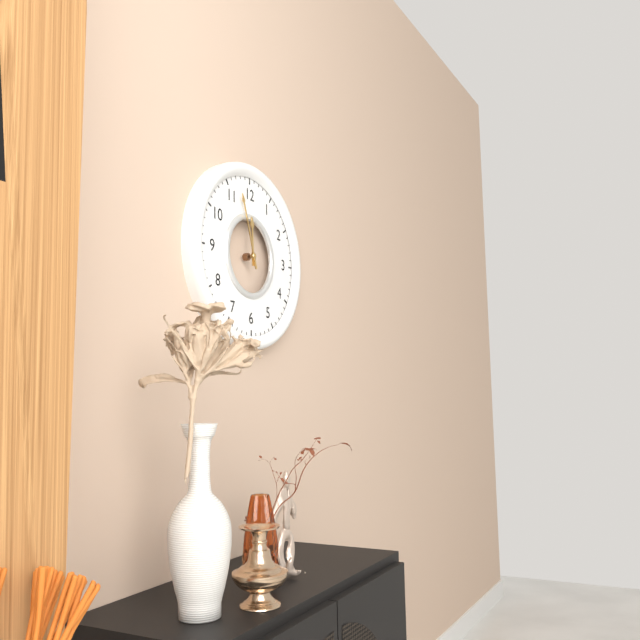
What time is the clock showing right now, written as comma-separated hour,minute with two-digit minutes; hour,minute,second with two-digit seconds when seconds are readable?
11,57
